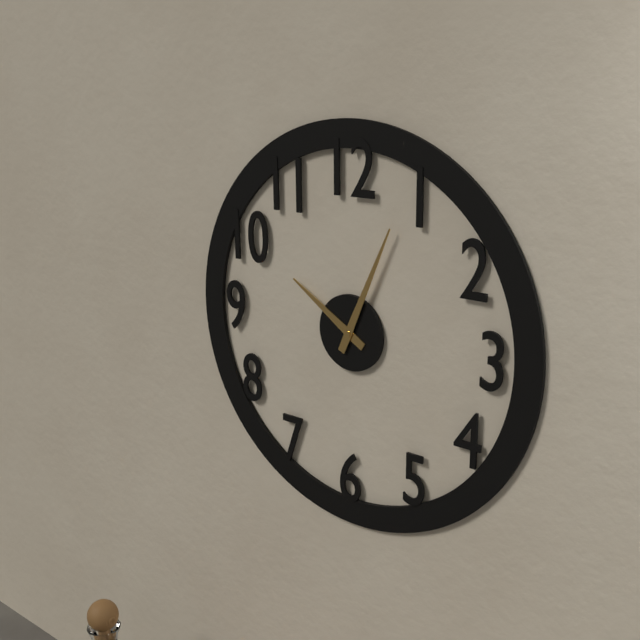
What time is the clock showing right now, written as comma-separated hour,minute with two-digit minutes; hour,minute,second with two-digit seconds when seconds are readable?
10,04
